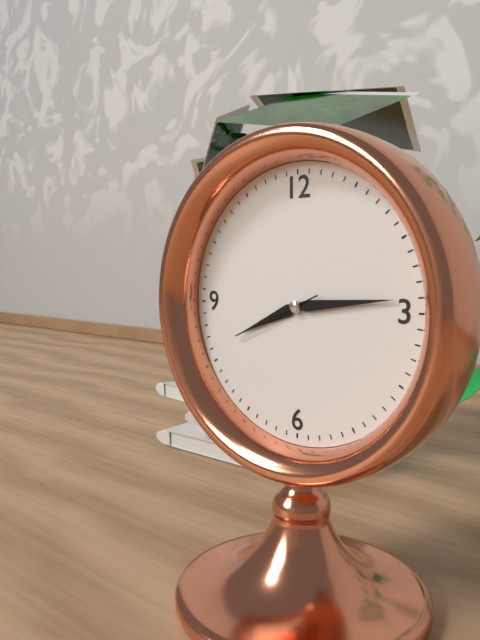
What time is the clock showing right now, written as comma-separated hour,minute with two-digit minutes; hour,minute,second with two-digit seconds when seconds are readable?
8,14,41
